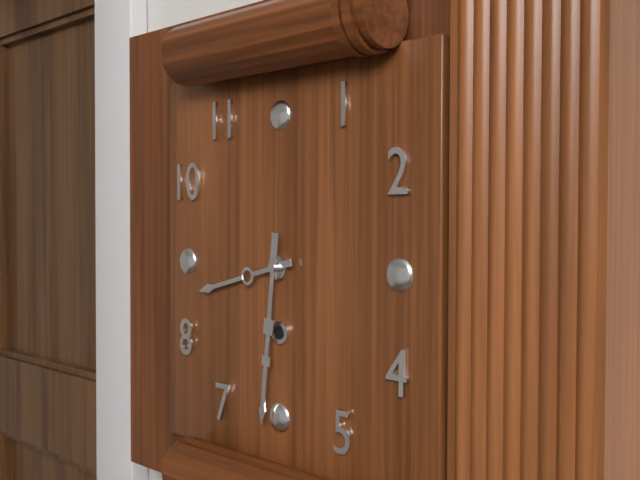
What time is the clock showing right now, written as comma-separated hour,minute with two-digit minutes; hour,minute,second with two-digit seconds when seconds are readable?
8,31
